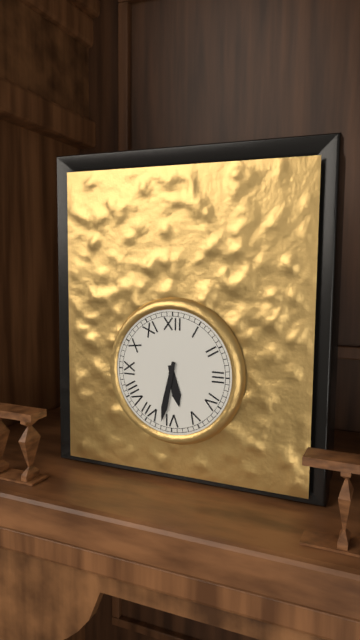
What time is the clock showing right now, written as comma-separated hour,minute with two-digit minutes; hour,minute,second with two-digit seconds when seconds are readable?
5,32
